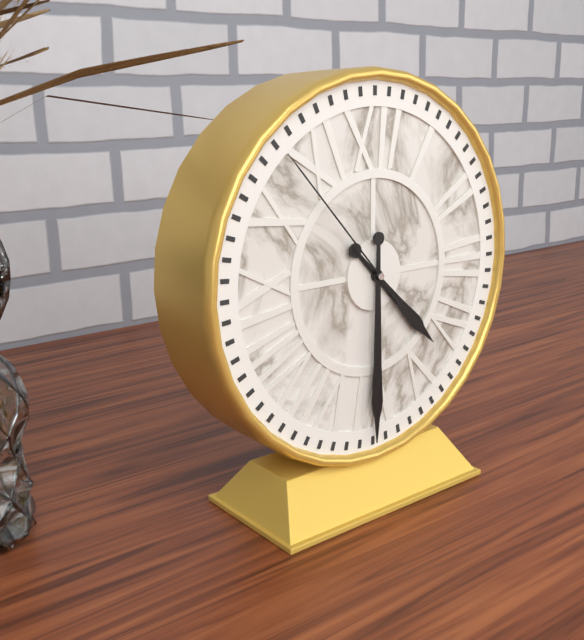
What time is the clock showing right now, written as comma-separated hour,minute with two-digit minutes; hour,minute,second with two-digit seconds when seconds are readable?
4,30,53
